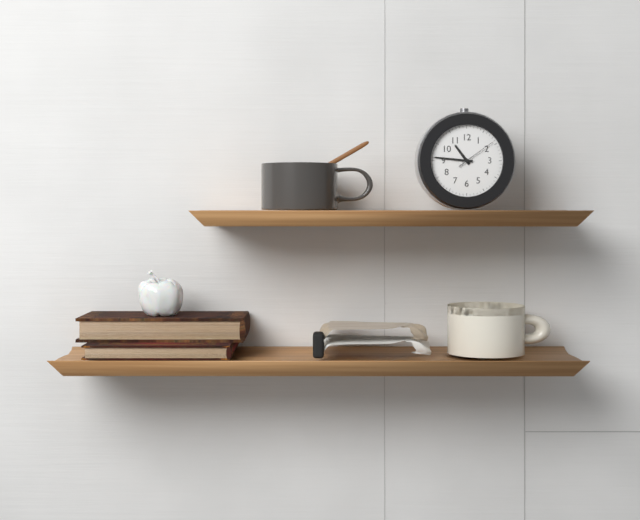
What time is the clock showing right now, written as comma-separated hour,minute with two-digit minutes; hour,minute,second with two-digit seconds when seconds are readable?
10,46
